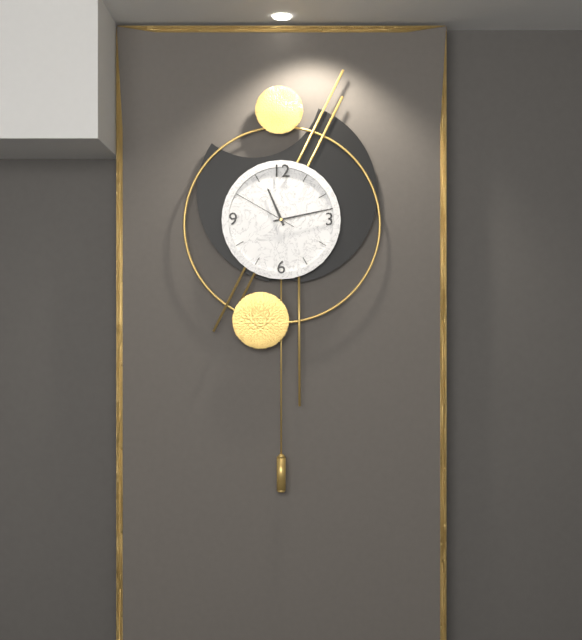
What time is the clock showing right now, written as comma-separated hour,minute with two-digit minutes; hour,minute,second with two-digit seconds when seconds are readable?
11,13,50
